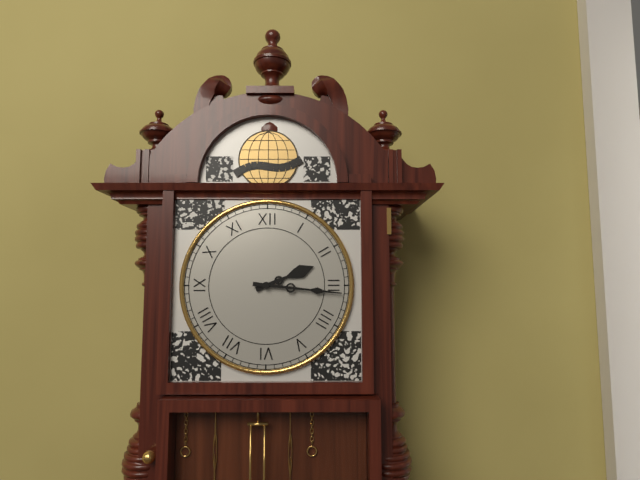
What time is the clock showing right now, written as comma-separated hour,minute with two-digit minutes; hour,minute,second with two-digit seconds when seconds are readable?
2,16
